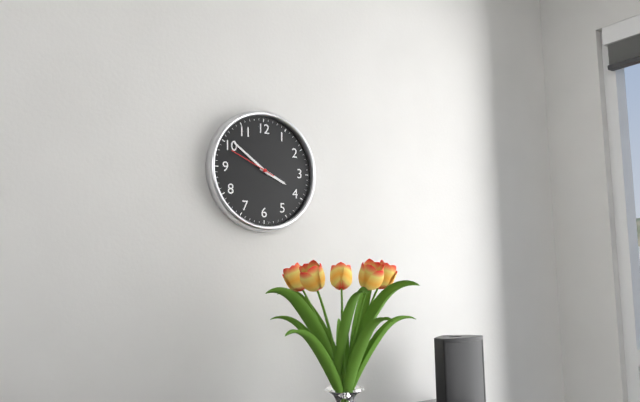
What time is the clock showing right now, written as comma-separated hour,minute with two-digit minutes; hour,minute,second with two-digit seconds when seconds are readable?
3,51
